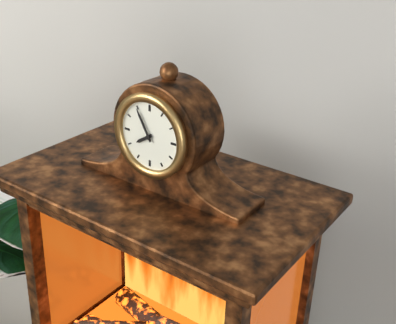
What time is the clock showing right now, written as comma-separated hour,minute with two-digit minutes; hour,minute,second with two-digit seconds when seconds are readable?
7,55
